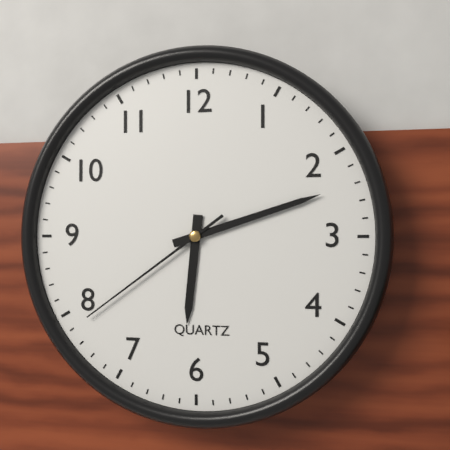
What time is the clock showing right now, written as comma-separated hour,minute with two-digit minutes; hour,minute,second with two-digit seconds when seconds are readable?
6,12,39
